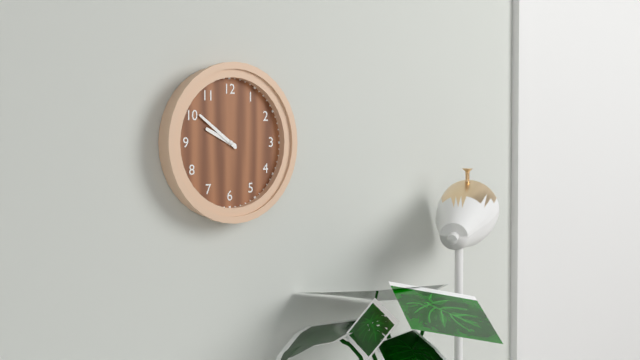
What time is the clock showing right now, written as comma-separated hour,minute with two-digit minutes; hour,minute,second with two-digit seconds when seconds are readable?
9,51
